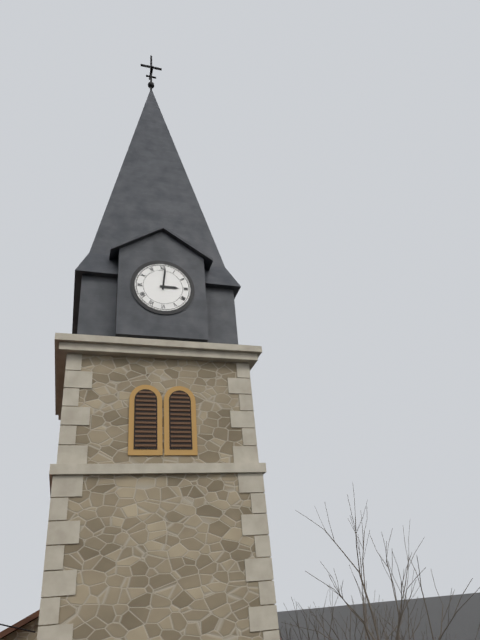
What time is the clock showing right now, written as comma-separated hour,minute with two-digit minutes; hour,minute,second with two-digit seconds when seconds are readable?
3,01
